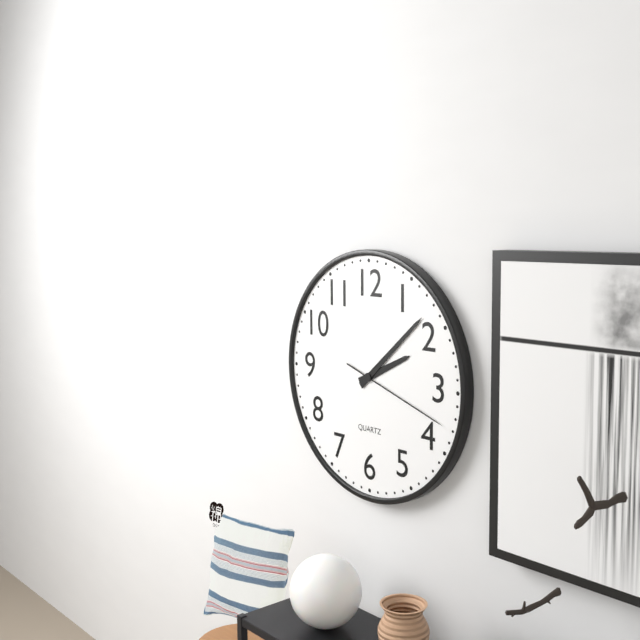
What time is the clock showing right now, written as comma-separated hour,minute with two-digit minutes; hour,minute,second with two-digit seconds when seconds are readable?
2,08,18
